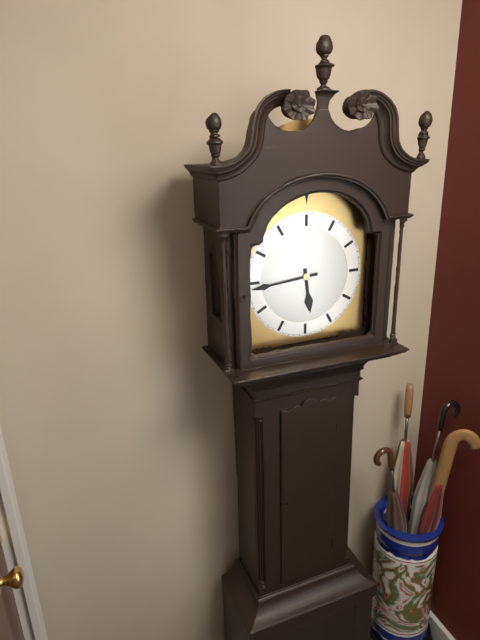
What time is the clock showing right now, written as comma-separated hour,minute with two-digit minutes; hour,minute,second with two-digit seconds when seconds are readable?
5,44
